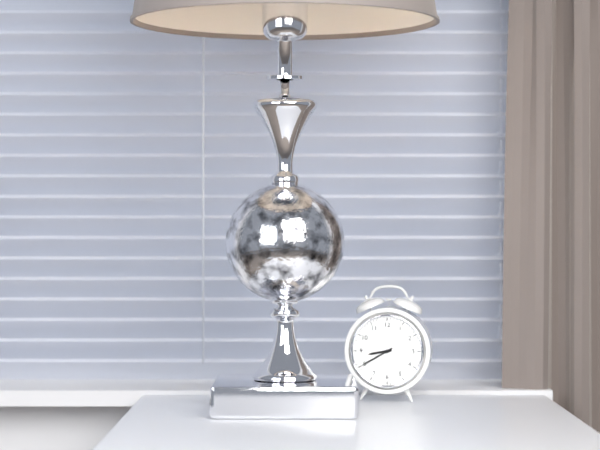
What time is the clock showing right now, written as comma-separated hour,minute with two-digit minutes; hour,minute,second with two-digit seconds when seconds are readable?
8,40
